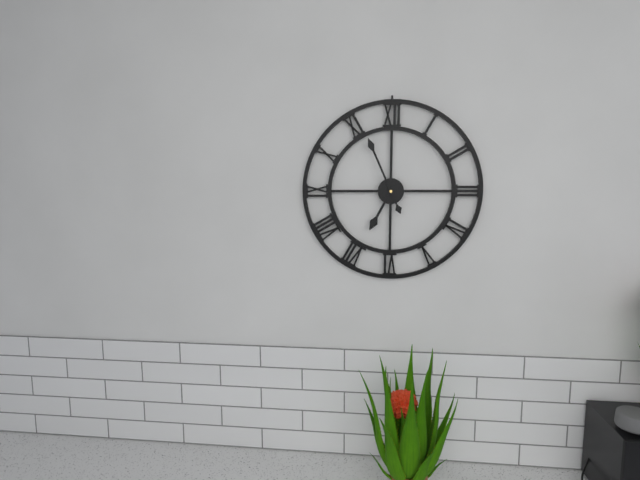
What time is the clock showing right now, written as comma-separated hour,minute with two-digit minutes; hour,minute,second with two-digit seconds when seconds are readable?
6,56
